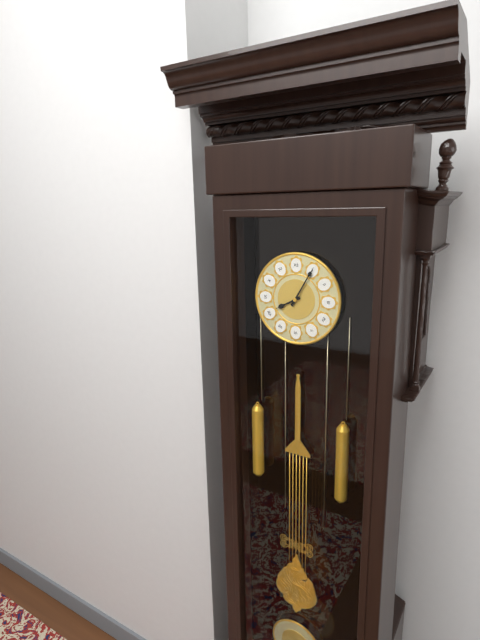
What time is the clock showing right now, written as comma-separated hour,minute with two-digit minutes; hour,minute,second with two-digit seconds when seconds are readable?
8,05
